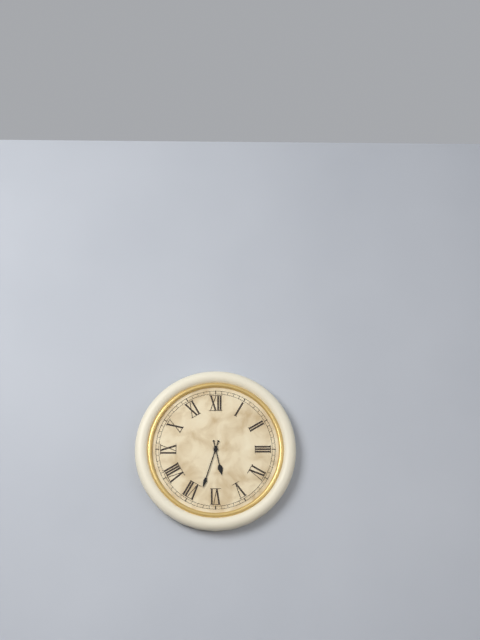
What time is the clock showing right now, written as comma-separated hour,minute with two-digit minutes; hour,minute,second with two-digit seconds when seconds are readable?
5,33
